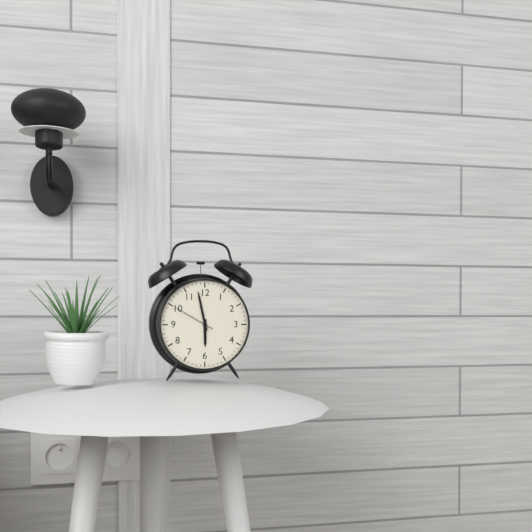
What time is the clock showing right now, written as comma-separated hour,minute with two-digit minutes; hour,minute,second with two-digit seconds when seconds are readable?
5,58
